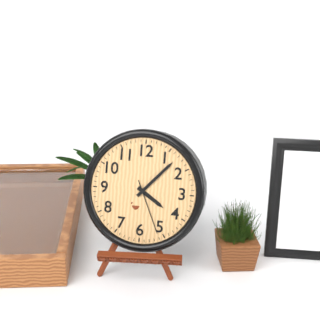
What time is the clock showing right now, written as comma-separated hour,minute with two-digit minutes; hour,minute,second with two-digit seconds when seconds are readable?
4,07,26
